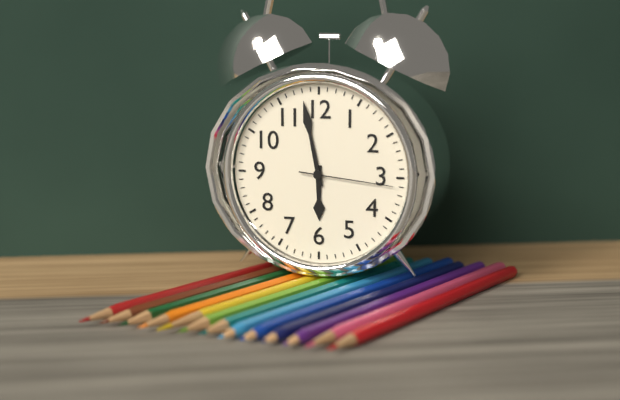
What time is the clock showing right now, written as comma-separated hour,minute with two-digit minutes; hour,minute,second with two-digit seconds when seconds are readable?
5,58,16
